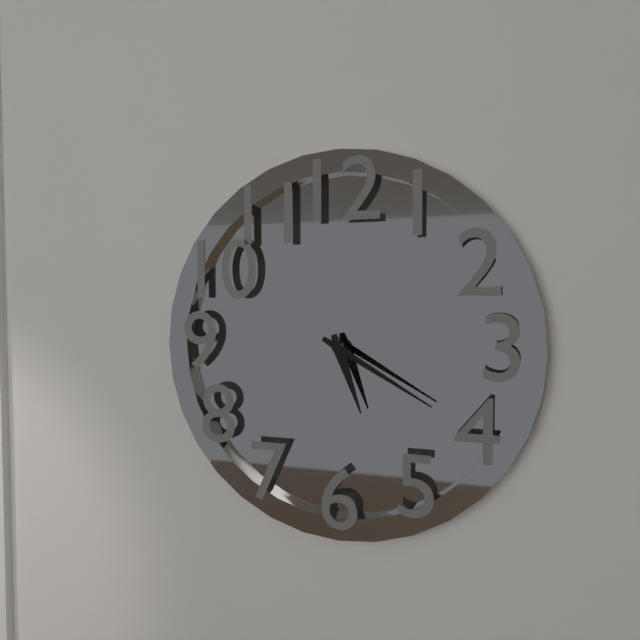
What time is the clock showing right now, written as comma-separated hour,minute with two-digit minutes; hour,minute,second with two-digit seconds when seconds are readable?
5,20
